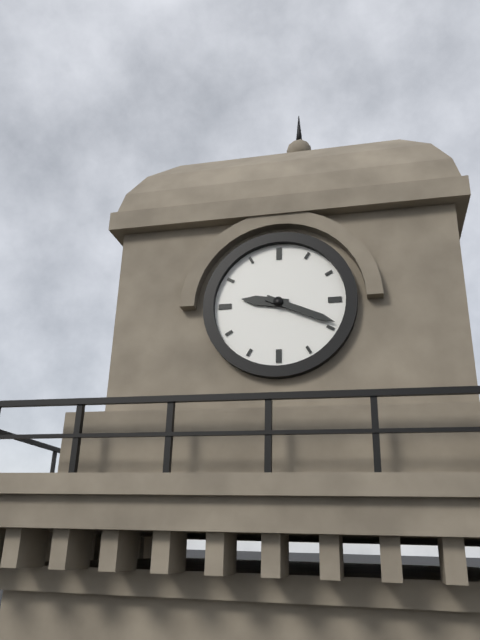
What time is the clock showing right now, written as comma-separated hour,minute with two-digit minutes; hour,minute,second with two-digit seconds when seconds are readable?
9,19
